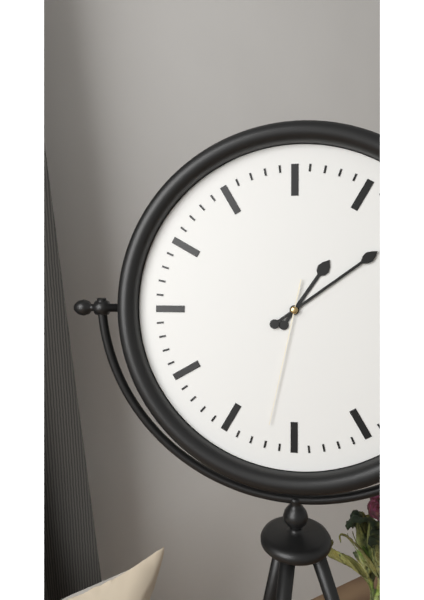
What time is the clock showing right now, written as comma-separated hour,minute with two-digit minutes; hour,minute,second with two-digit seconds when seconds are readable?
1,09,32
